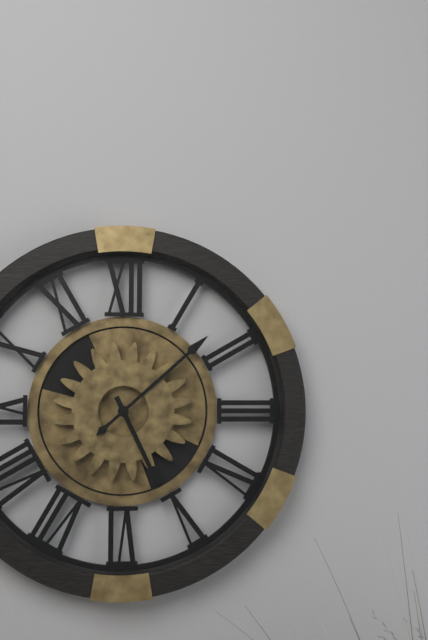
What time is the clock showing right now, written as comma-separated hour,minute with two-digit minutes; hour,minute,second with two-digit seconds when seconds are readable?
5,08
